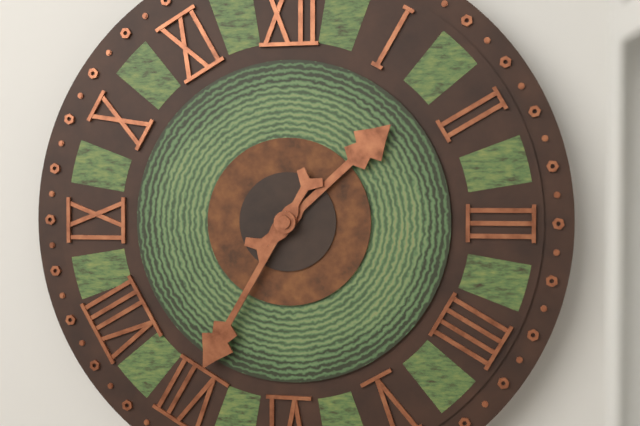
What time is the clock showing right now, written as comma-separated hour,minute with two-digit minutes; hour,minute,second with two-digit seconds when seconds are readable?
1,35
